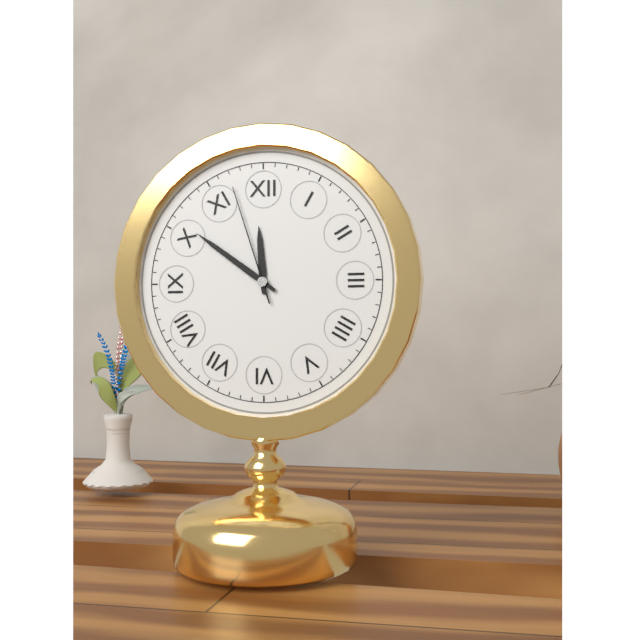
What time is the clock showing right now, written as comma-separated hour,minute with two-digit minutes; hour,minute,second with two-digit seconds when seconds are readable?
11,51,57
